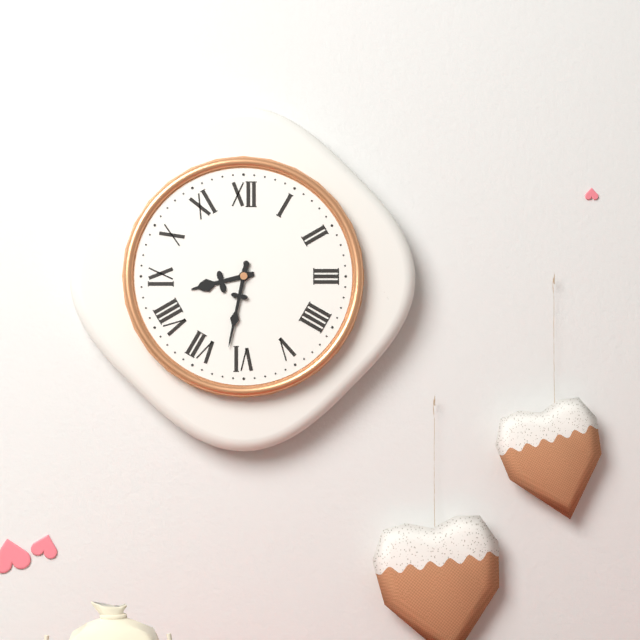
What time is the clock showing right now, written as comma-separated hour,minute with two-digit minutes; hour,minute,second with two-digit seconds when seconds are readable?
8,32
